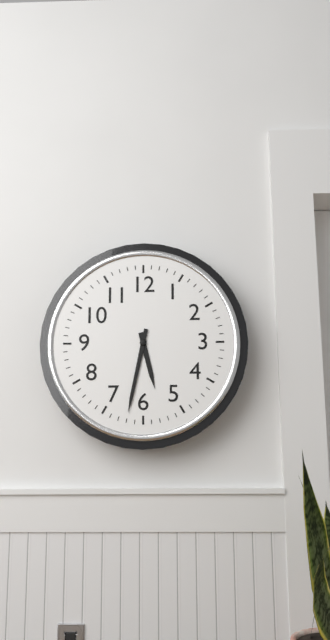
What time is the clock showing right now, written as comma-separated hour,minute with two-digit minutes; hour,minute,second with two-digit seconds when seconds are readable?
5,32
